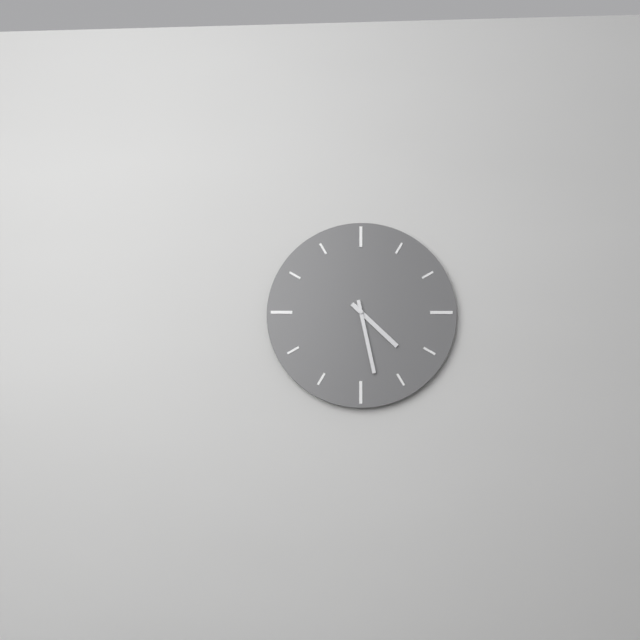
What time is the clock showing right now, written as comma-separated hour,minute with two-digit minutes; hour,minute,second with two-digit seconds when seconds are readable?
4,28
